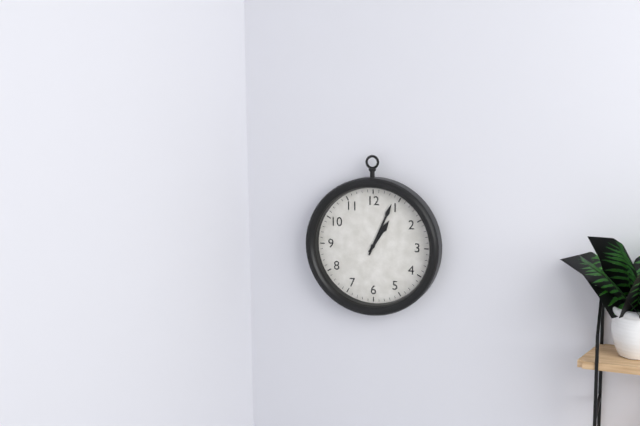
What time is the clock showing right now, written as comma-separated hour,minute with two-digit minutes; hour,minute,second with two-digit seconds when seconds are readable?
1,04
